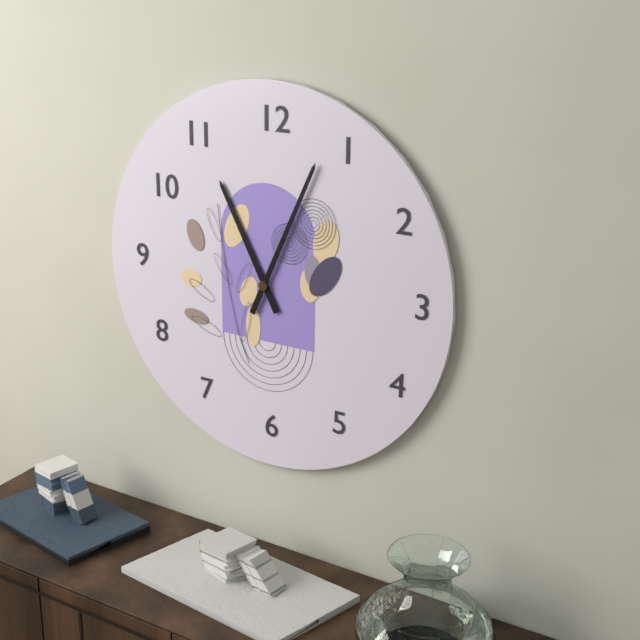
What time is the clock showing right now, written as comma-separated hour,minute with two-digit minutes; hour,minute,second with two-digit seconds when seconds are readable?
11,04
